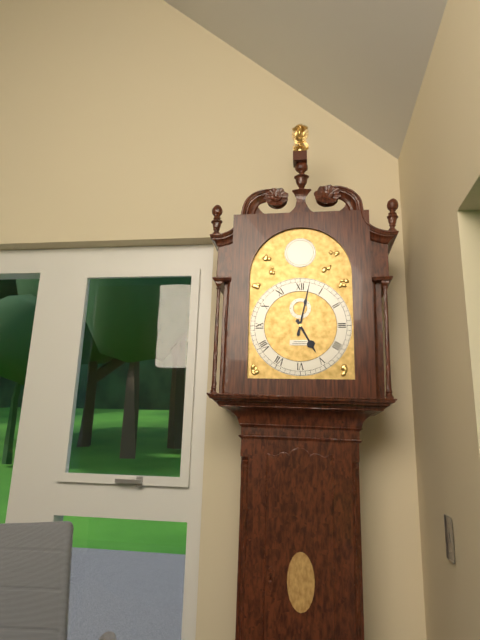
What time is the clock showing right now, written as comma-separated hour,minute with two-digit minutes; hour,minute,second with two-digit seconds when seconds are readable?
5,02
